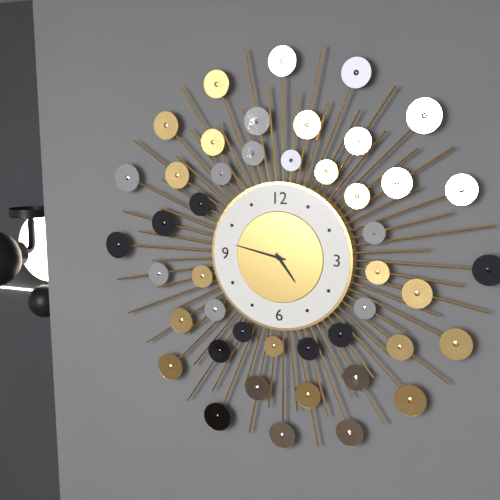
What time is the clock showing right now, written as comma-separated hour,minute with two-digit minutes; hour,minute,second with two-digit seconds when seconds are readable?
4,47
